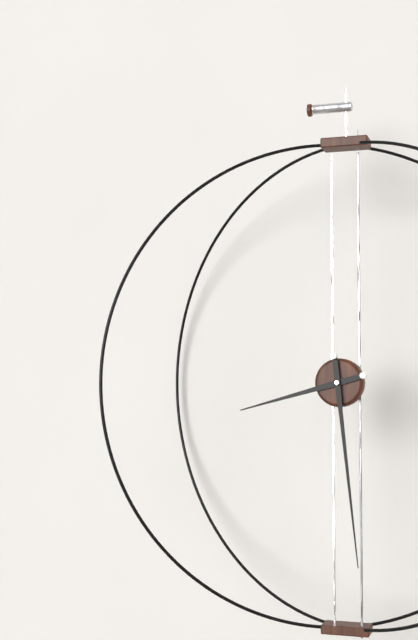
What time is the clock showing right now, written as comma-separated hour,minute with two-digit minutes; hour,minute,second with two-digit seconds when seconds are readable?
8,29
